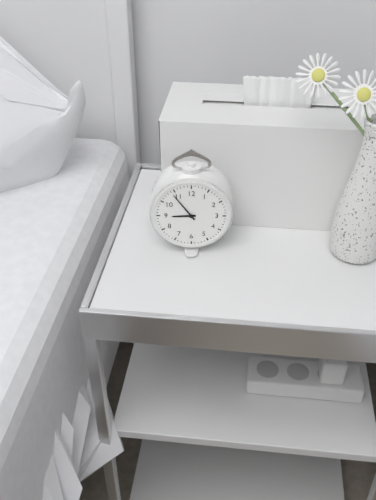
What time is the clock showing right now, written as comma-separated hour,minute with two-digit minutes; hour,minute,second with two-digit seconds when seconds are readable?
8,54
